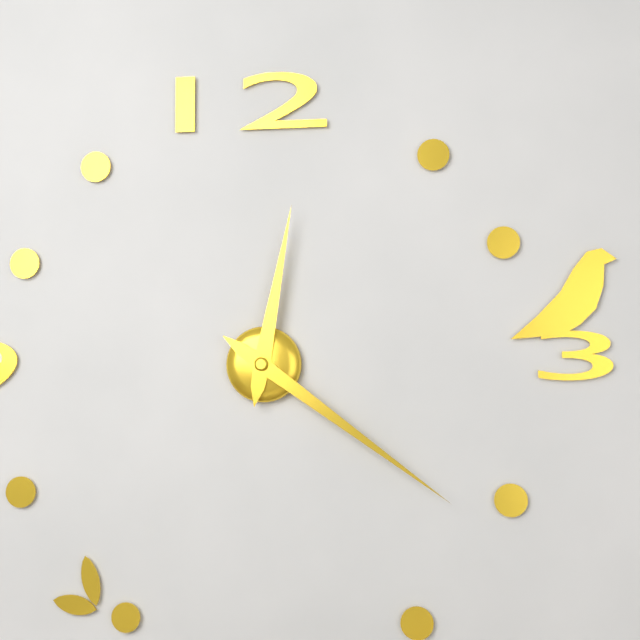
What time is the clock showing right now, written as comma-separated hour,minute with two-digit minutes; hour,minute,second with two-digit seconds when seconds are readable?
12,21
